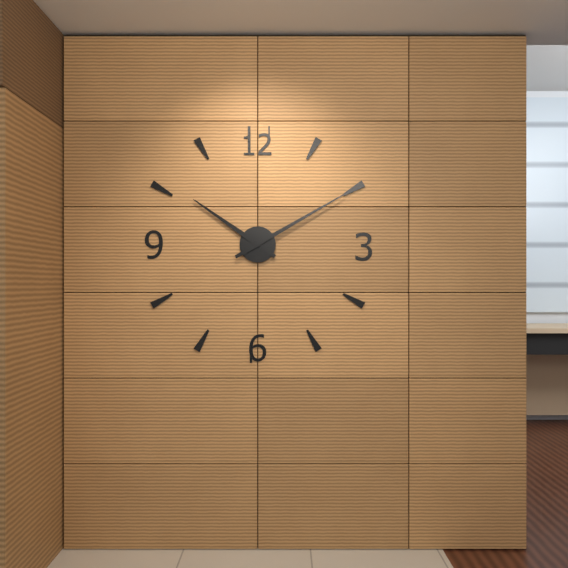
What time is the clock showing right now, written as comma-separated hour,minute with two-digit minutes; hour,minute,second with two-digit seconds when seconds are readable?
10,10
